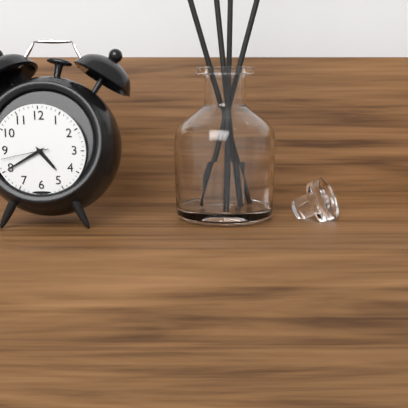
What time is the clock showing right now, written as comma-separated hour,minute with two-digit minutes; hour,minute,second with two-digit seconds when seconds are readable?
4,40,43
